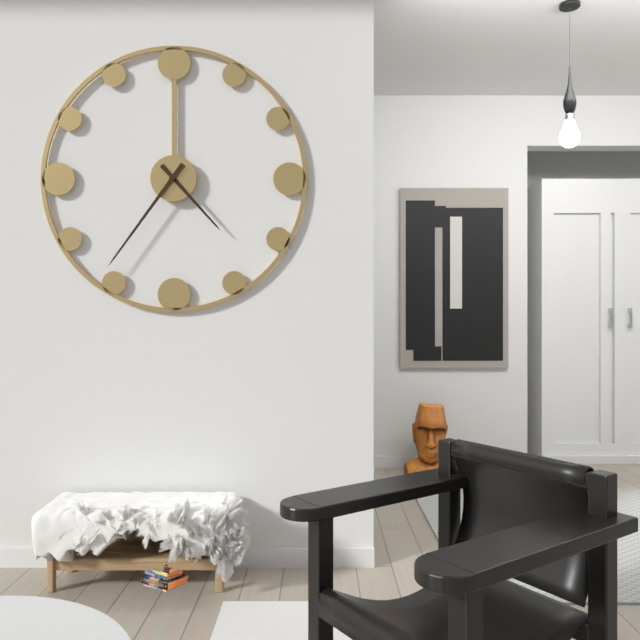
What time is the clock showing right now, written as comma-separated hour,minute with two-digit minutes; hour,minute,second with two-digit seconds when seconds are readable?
4,36
